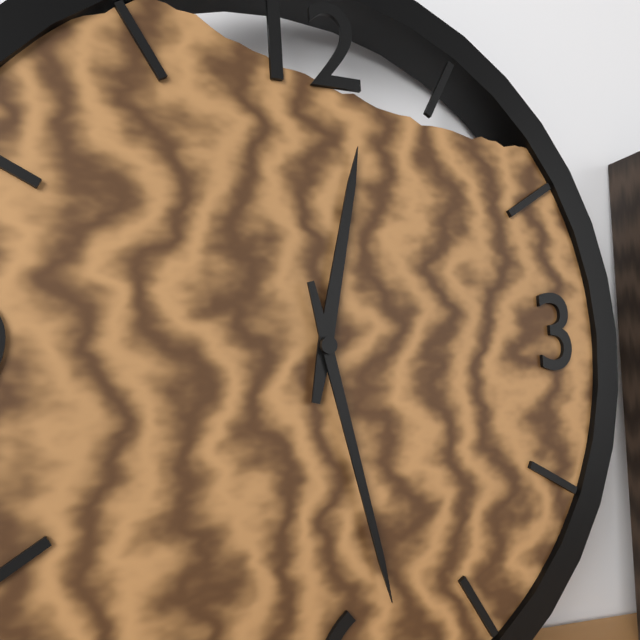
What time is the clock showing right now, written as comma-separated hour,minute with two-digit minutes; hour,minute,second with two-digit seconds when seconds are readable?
12,28
